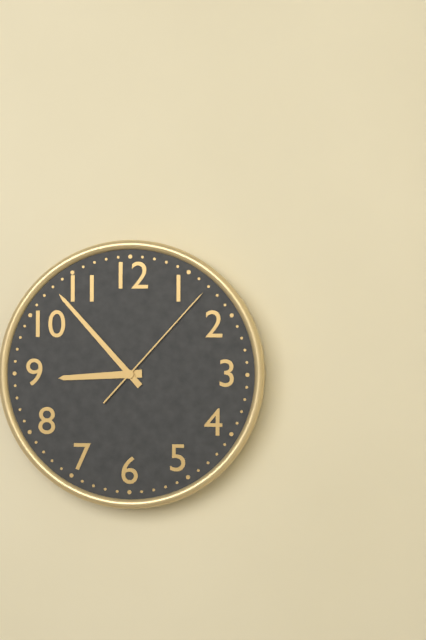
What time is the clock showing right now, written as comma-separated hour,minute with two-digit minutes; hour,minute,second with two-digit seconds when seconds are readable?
8,53,07
